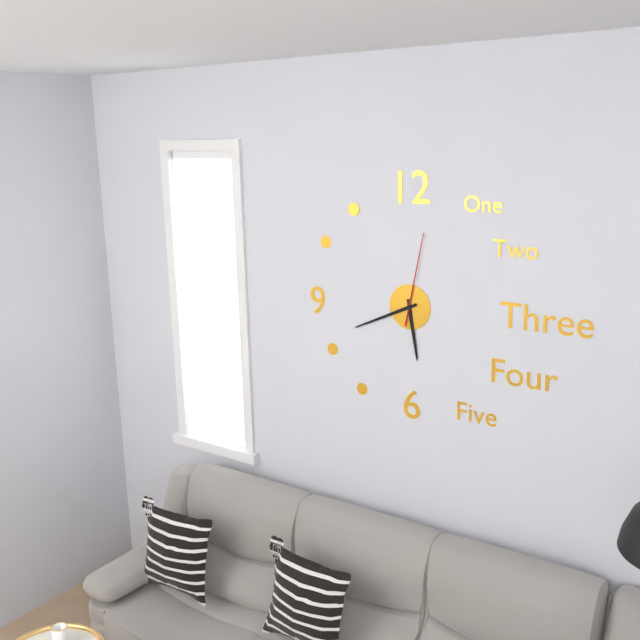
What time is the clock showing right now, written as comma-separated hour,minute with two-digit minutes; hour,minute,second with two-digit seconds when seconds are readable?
5,41,02
